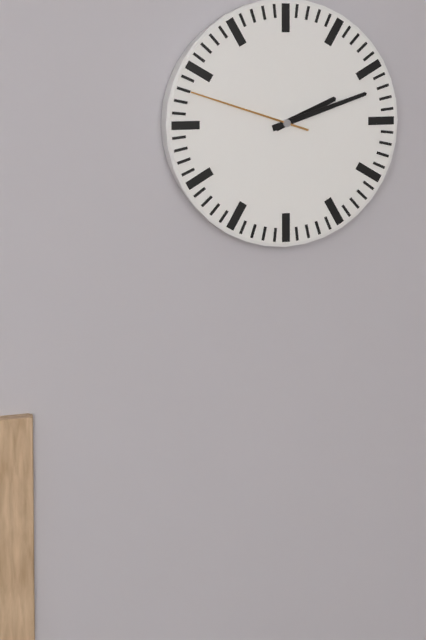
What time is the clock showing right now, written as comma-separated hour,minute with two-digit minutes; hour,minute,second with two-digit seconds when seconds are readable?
2,12,48
